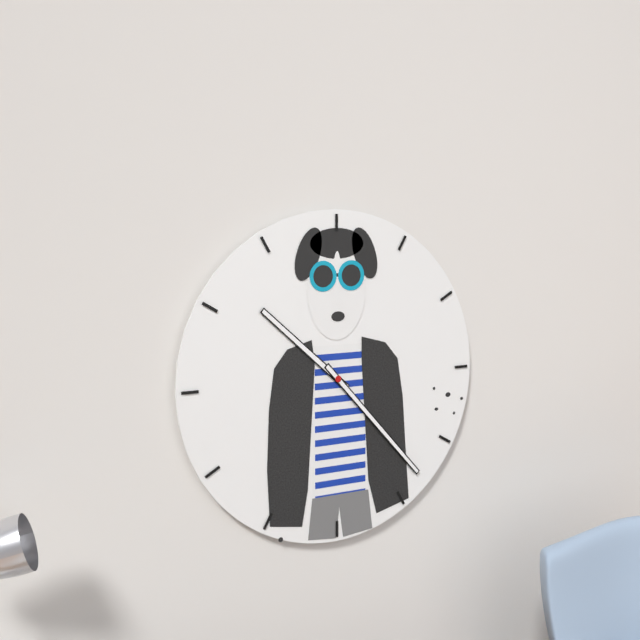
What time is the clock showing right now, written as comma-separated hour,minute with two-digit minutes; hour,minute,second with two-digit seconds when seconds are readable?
10,23
